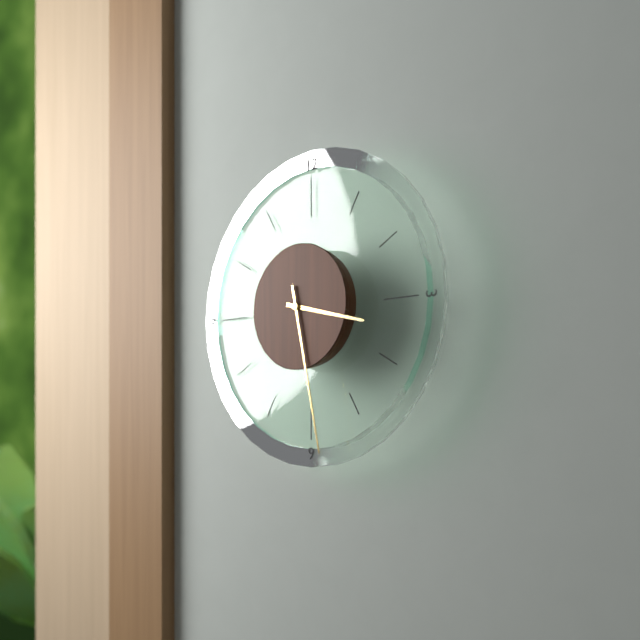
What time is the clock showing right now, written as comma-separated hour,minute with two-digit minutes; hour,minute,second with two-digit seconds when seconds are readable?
3,28
